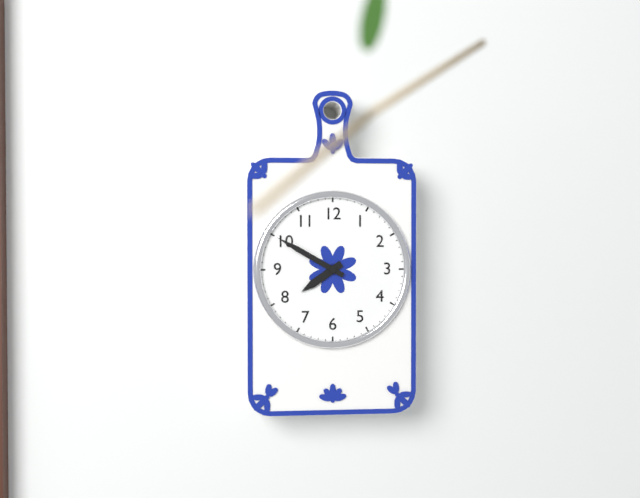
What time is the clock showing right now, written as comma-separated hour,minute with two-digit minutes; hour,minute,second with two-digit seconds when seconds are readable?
7,50
